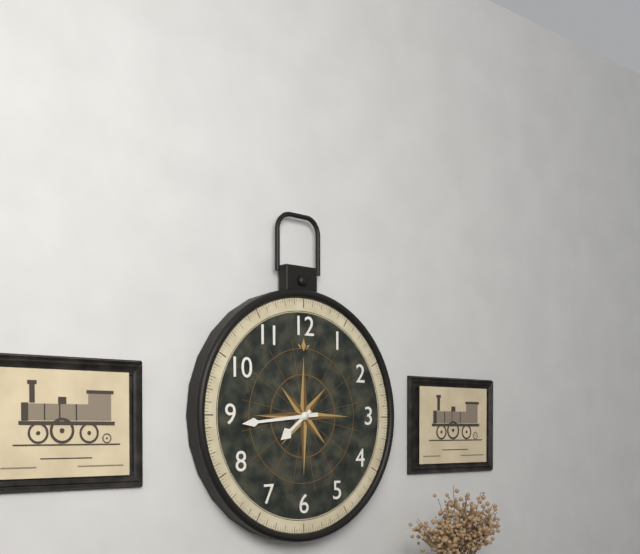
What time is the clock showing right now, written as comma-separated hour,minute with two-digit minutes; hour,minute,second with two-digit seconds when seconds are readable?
7,44
